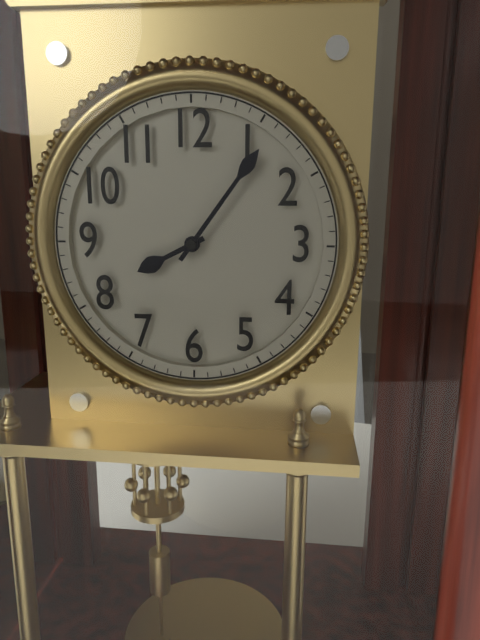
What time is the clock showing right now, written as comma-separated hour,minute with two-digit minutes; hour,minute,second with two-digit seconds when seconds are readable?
8,06
